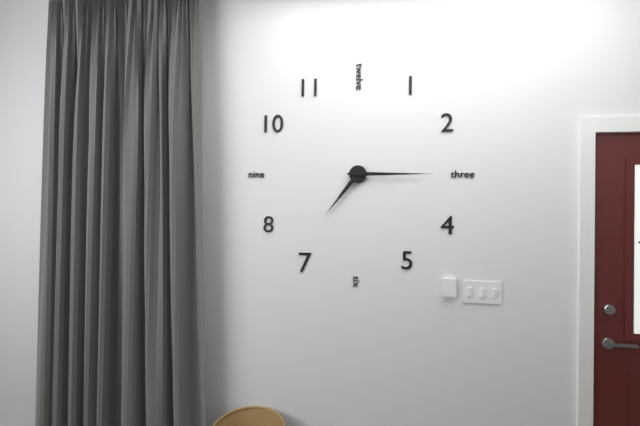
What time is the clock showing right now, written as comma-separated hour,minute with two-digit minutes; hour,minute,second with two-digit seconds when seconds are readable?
7,15
